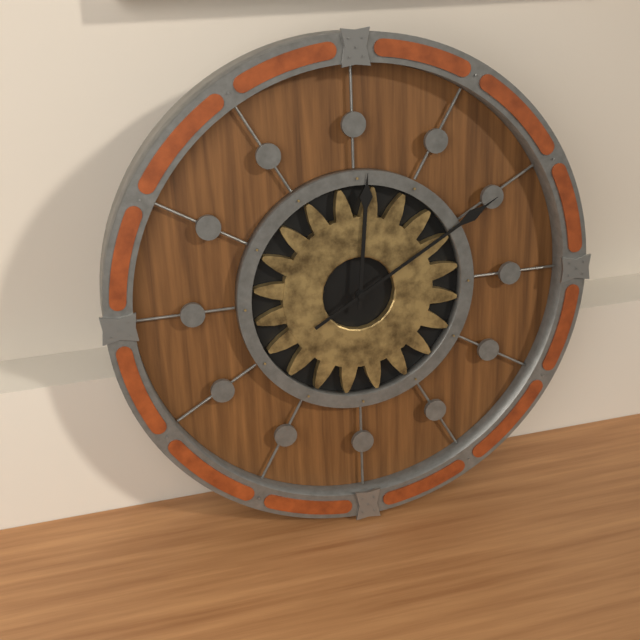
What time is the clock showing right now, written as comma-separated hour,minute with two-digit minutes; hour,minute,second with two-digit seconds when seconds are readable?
12,10
